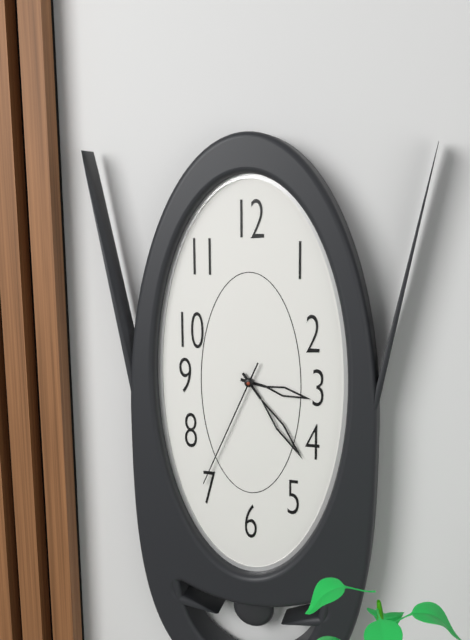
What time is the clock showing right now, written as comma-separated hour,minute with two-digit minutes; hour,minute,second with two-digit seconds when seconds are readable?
3,24,34
